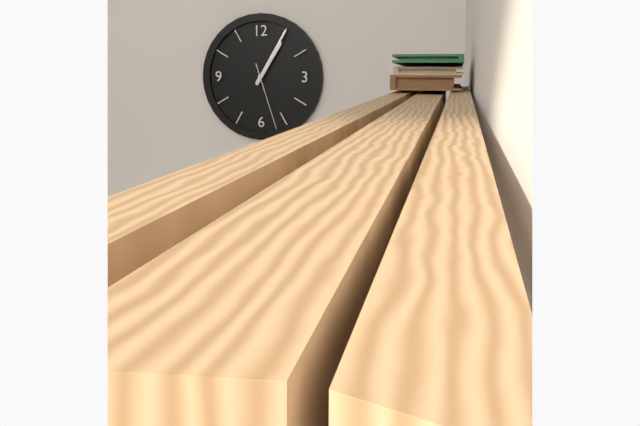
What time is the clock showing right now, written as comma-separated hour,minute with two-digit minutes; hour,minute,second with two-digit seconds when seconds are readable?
1,05,27
